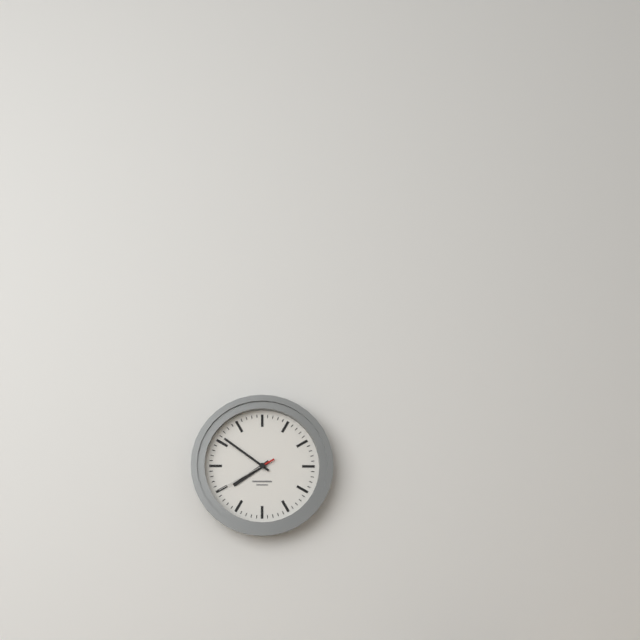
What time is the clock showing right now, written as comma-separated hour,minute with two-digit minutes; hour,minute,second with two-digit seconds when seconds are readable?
7,51,40
